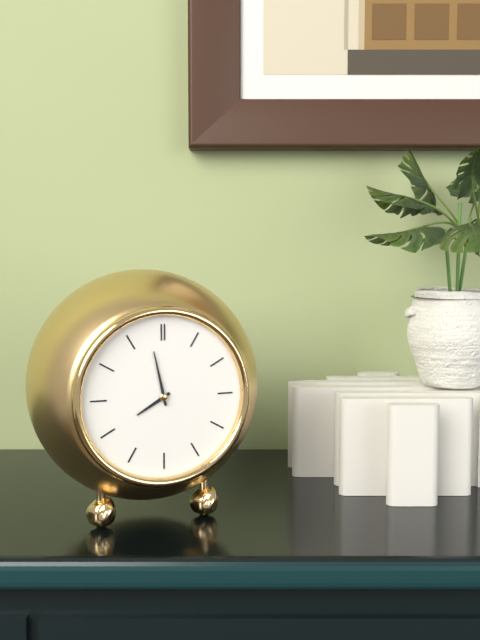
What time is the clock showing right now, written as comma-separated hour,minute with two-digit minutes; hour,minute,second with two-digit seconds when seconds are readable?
7,58
